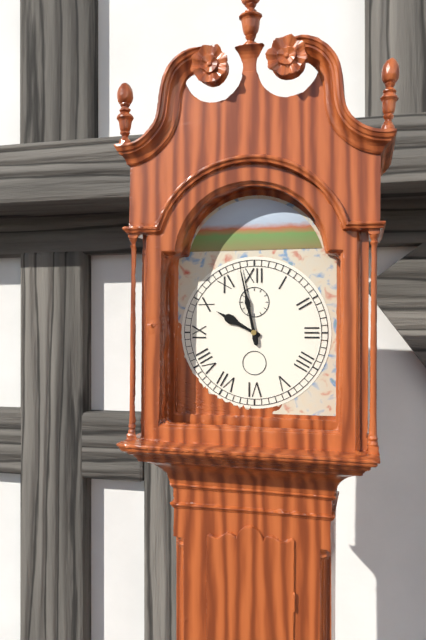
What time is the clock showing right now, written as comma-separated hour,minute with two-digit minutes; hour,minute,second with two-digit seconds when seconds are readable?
9,58
